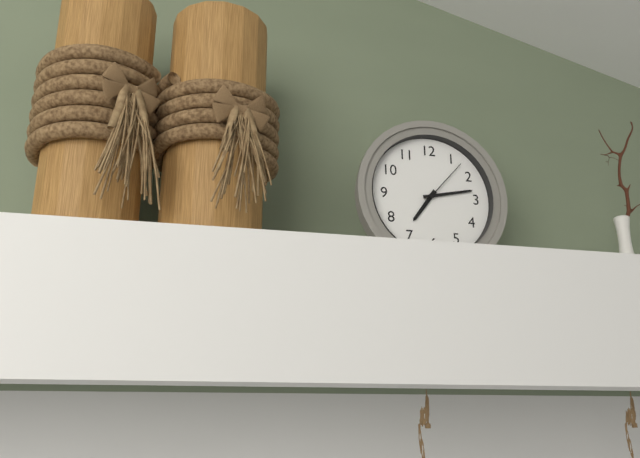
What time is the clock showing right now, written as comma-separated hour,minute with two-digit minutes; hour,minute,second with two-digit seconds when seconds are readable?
7,13,07
